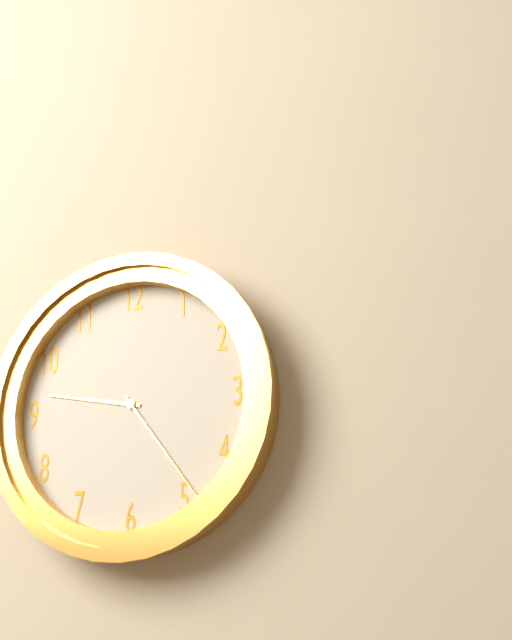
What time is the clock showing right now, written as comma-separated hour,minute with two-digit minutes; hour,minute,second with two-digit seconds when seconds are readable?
9,24
